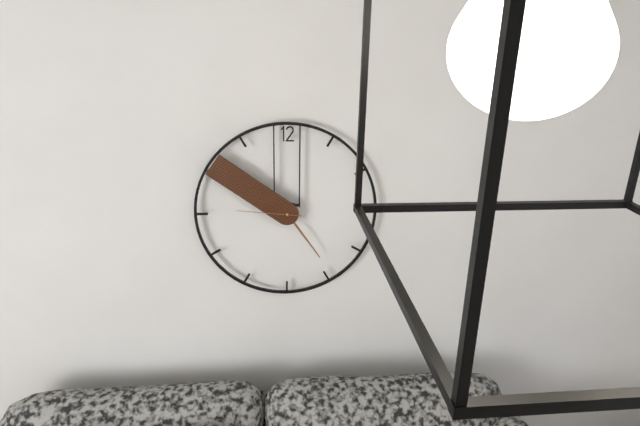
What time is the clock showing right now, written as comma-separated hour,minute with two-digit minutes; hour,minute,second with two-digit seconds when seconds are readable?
4,51,46
